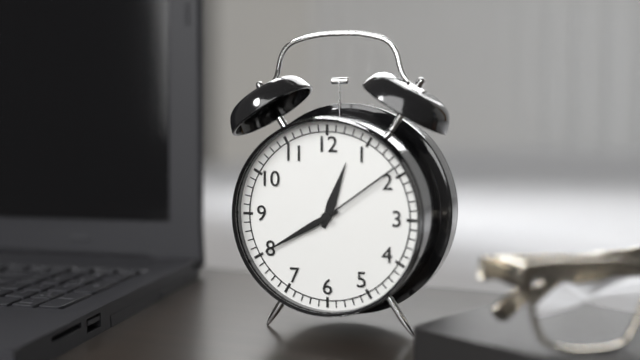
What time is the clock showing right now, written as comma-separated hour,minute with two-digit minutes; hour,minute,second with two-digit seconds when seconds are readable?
12,40,09
